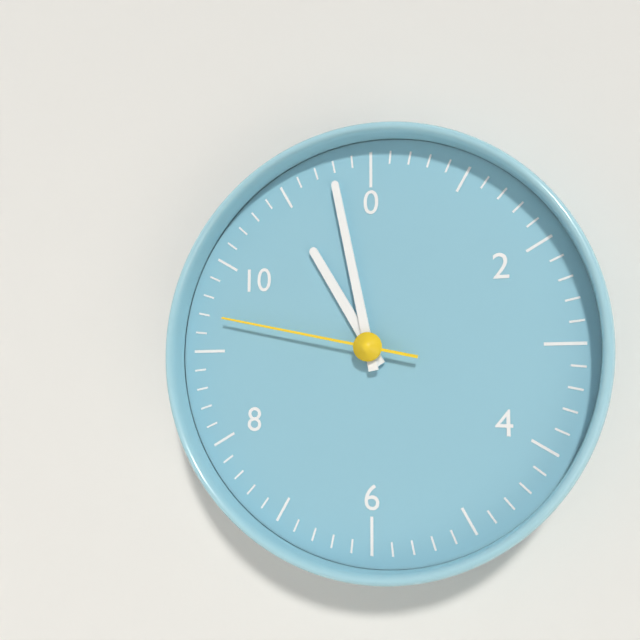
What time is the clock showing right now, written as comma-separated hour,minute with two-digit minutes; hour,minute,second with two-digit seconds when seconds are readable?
10,58,47
